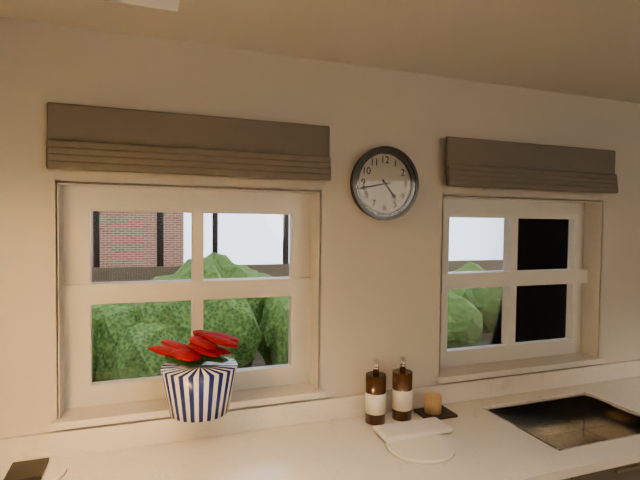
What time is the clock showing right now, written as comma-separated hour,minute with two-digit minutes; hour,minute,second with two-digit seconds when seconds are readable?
4,43
